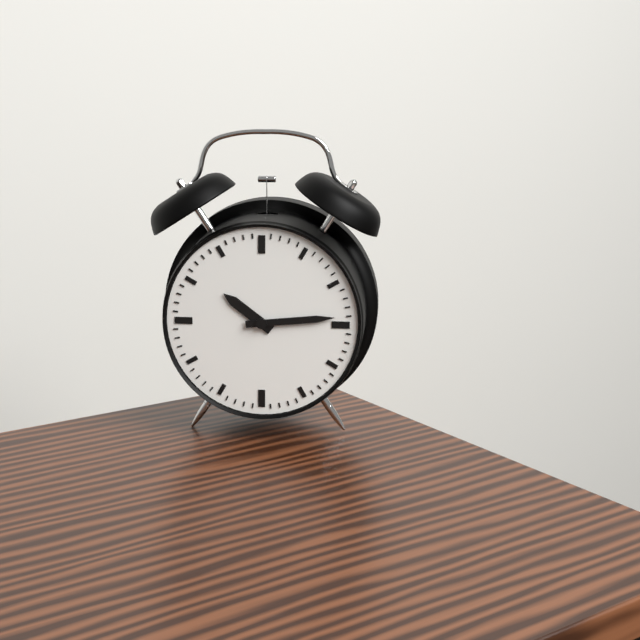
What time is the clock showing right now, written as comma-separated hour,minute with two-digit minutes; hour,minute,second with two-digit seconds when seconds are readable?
10,14
